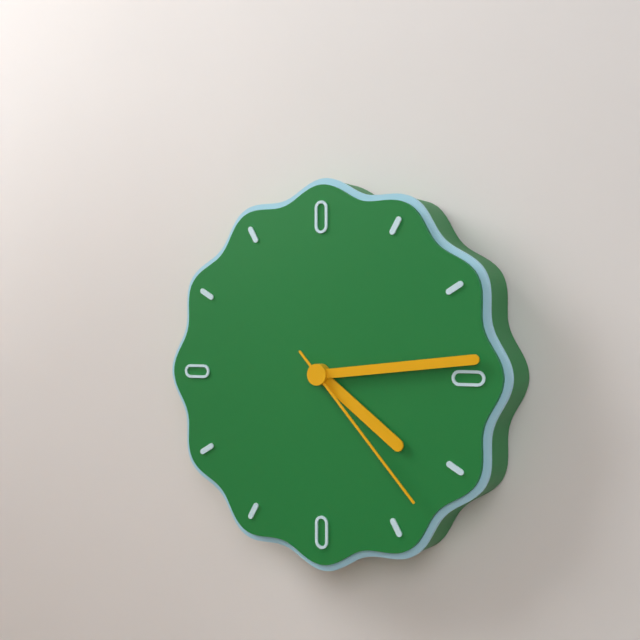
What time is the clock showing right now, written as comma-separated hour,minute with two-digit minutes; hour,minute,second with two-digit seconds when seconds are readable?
4,14,23
